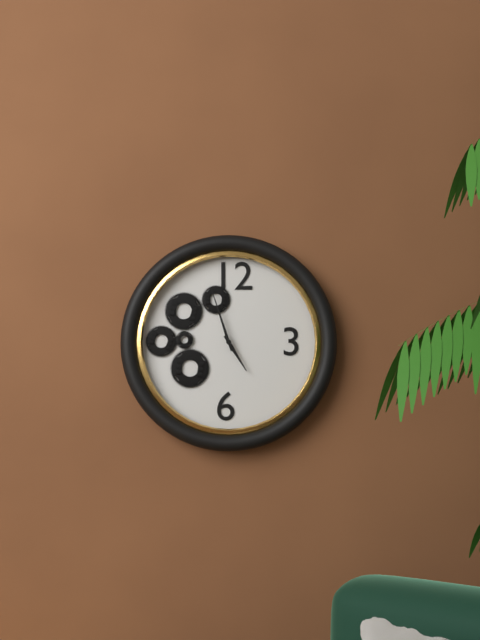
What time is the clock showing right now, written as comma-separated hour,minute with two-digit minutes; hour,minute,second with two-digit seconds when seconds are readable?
4,57
